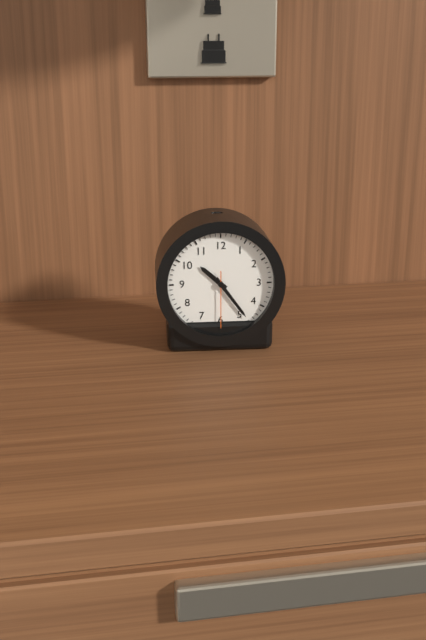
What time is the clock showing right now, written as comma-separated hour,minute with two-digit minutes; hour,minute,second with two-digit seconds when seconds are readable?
10,24,30
